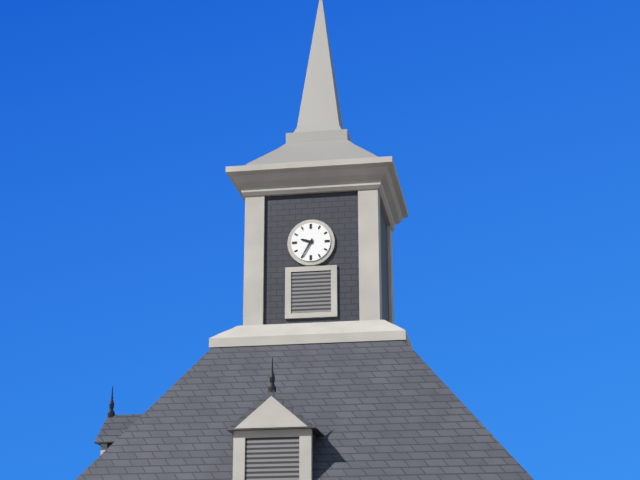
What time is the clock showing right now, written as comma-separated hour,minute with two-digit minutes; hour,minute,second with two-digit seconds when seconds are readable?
9,35
